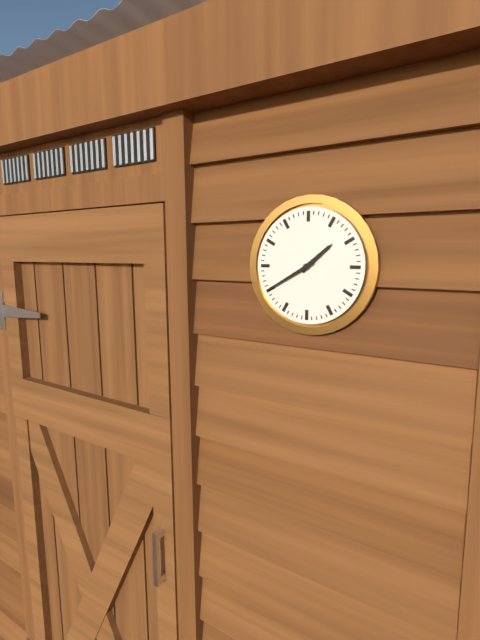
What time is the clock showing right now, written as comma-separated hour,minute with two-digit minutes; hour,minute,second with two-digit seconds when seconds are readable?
1,40
